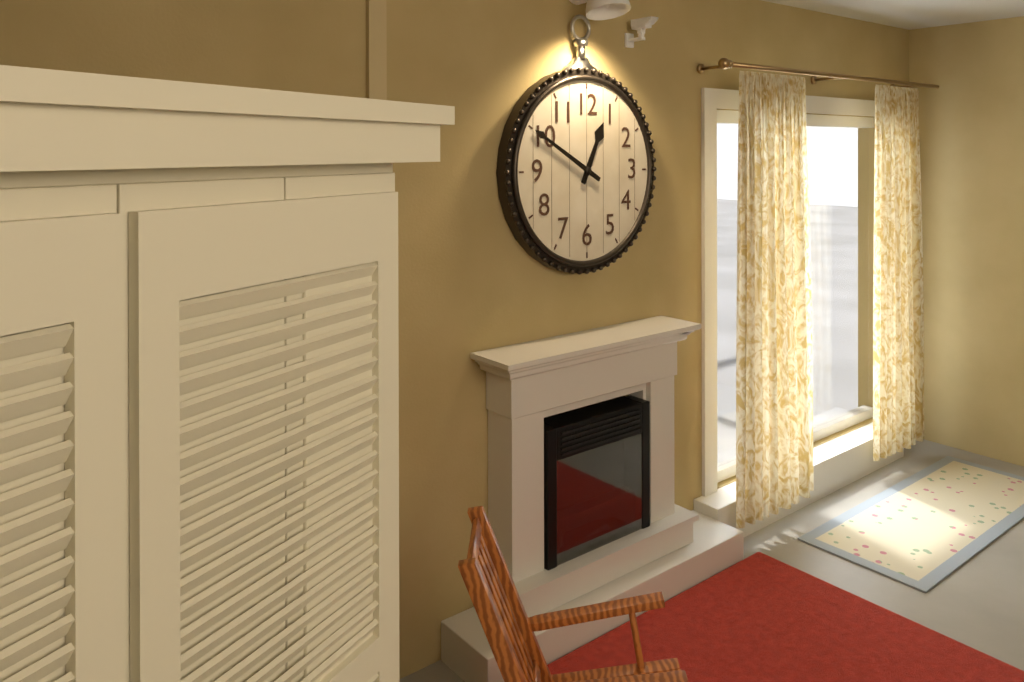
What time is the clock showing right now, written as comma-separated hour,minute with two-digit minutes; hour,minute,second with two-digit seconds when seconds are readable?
12,50
